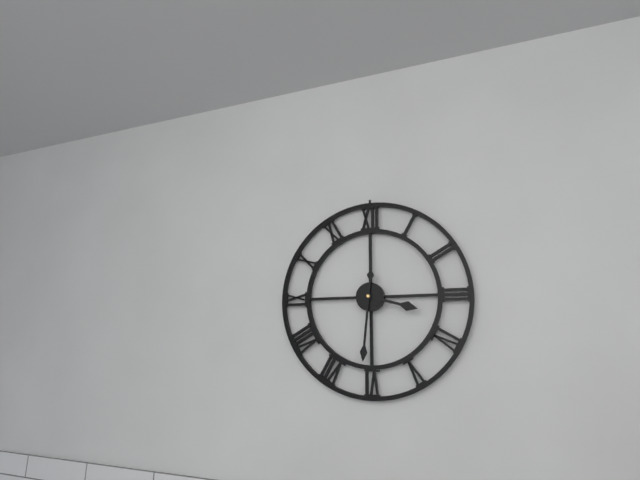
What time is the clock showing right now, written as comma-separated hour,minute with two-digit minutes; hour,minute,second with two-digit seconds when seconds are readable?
3,31
